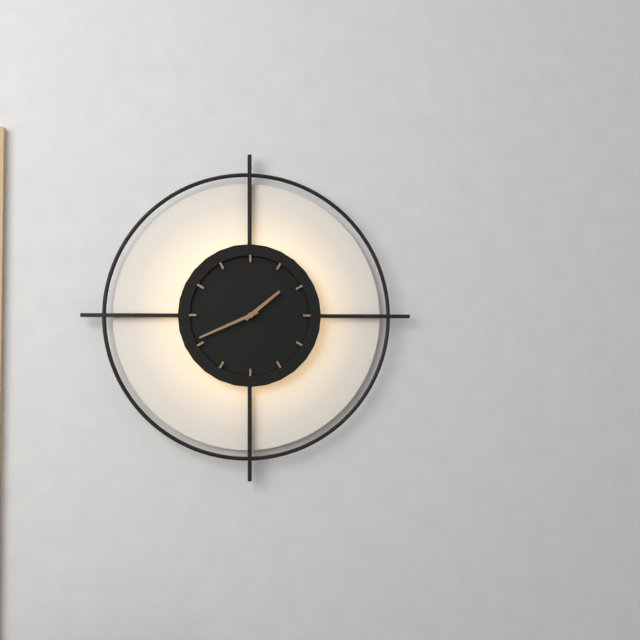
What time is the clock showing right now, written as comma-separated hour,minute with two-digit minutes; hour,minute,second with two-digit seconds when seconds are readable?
1,41
